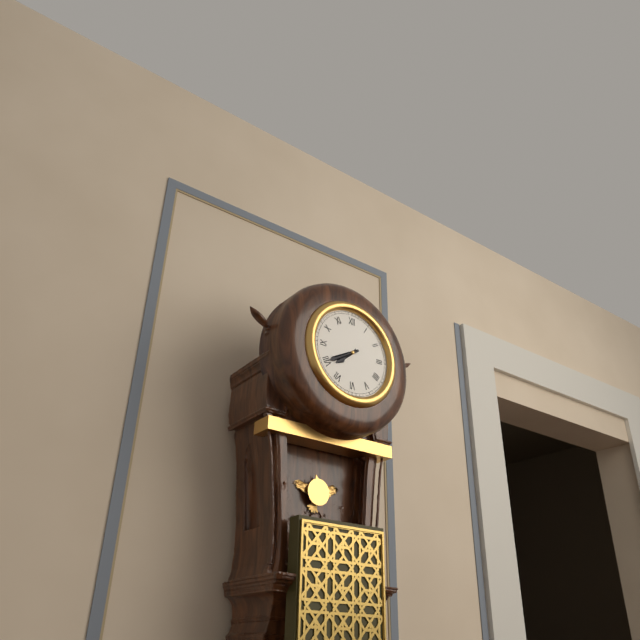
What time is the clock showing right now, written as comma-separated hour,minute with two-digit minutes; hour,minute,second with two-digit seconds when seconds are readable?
7,40
